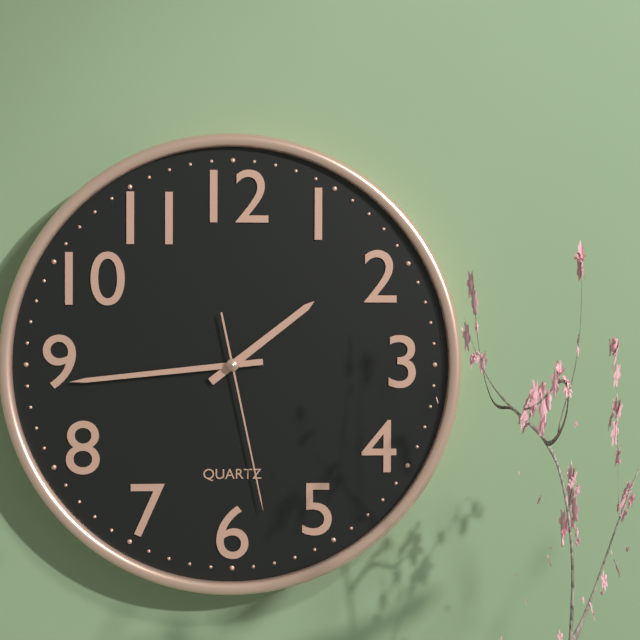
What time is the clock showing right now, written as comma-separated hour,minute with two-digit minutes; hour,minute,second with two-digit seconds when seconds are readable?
1,44,28
